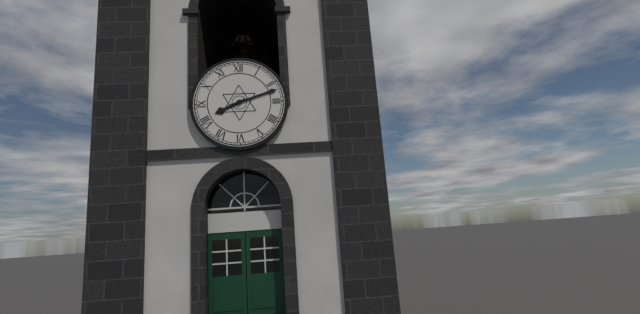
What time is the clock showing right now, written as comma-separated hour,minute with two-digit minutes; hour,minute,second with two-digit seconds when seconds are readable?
8,12
